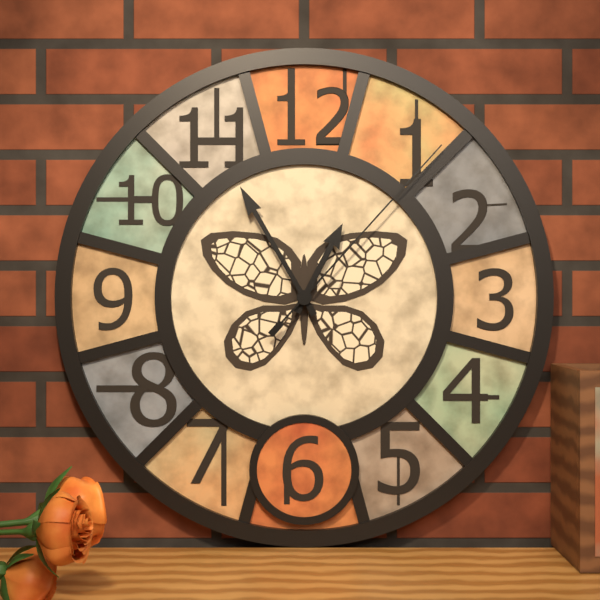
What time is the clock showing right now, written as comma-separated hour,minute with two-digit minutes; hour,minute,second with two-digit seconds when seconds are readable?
12,55,07
